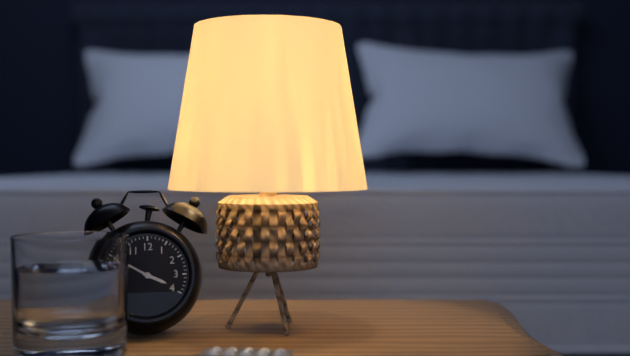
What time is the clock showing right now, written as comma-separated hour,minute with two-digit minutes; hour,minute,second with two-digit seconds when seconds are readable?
3,50
